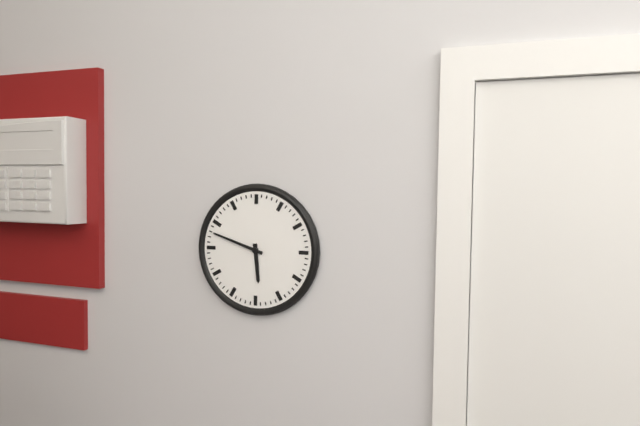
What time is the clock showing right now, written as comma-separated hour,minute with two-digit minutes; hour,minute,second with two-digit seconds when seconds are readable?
5,48
